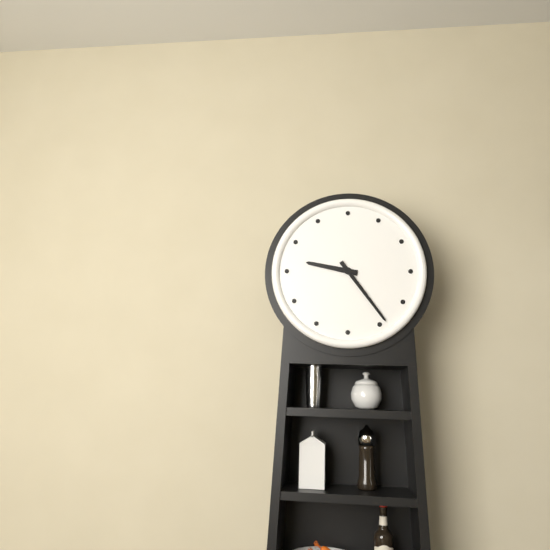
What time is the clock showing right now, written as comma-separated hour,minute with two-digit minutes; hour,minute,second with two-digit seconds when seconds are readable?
9,24
